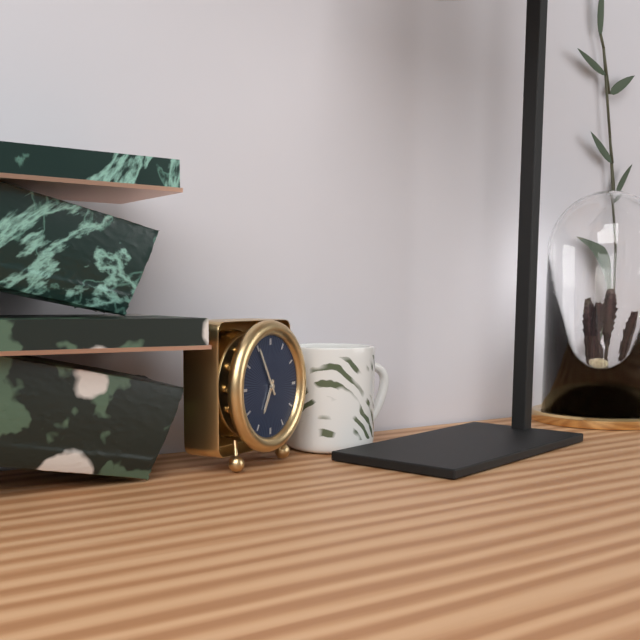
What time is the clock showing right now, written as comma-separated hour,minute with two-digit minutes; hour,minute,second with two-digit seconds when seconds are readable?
6,55
